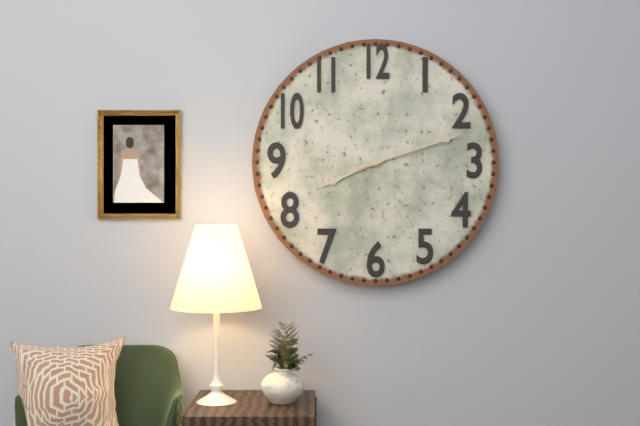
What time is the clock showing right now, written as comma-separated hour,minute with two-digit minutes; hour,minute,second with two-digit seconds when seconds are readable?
8,12
